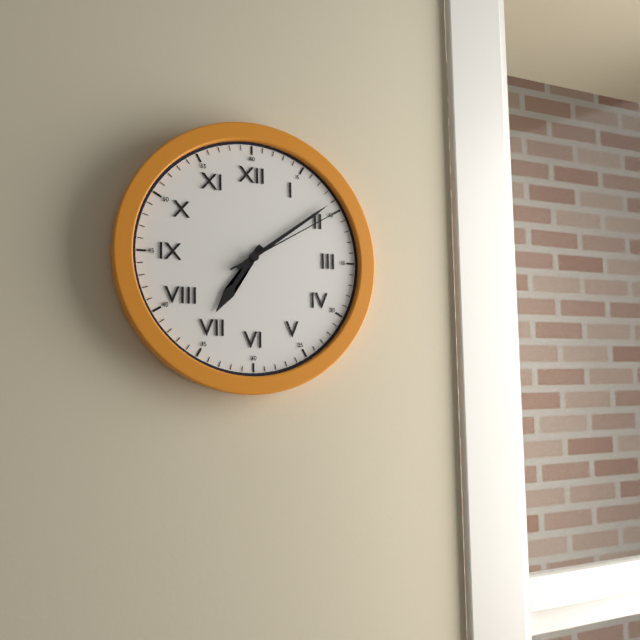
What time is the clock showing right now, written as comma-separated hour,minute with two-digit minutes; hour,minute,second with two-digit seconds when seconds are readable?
7,09,10
